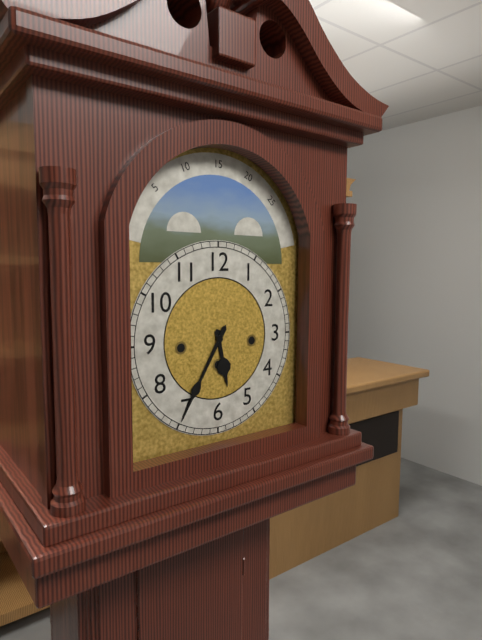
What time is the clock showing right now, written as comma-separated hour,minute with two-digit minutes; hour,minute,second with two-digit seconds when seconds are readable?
5,35
